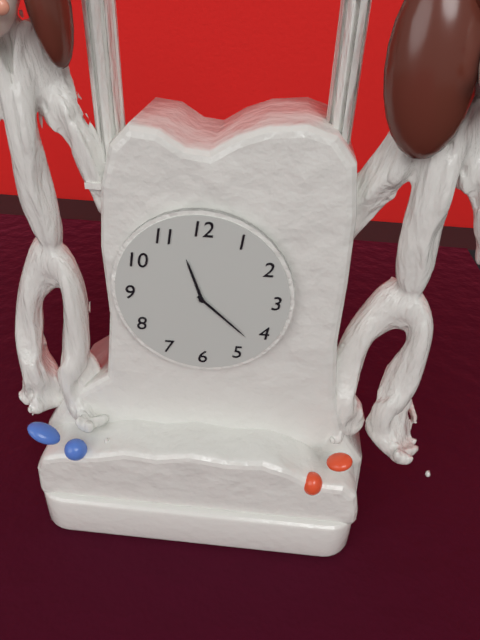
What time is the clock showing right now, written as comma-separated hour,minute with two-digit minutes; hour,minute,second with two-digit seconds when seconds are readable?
11,22
